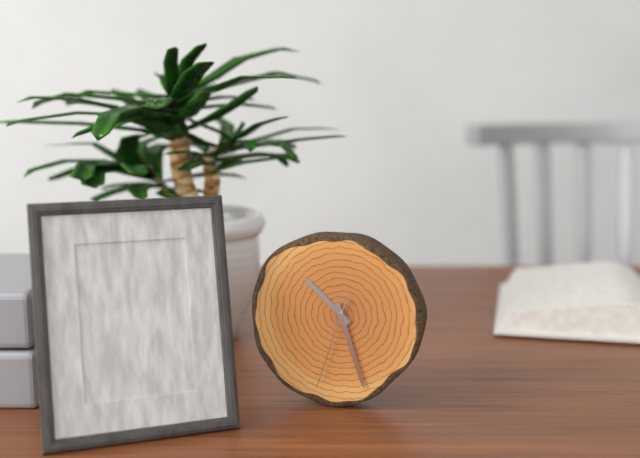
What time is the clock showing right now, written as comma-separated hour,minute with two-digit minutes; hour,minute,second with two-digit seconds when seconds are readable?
10,27,33
